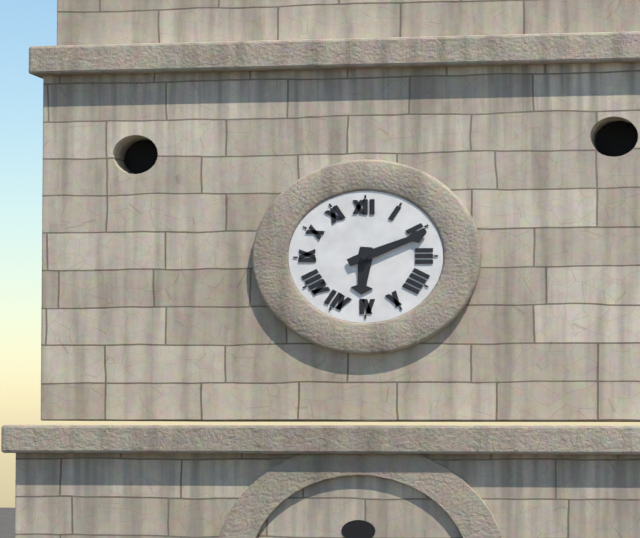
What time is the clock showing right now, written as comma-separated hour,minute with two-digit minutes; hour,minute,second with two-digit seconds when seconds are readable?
6,11
